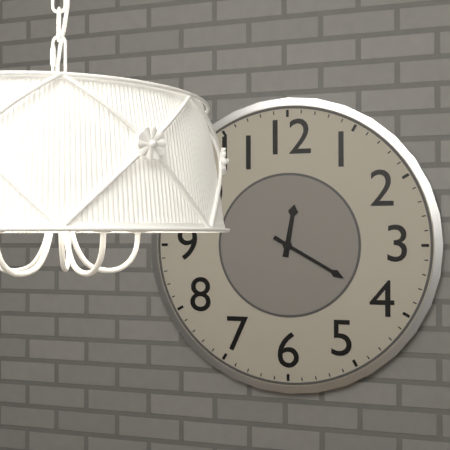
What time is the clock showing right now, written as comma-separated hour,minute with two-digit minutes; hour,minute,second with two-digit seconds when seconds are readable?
12,20
